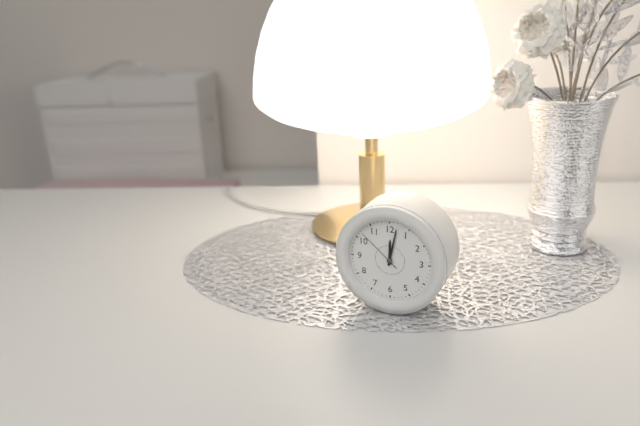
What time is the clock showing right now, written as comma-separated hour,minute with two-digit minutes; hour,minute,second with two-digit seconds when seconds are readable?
12,02
